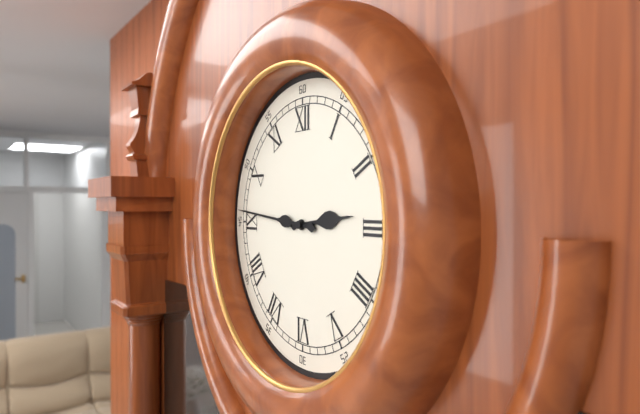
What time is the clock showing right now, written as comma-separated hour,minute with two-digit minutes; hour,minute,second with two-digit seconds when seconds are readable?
2,46
